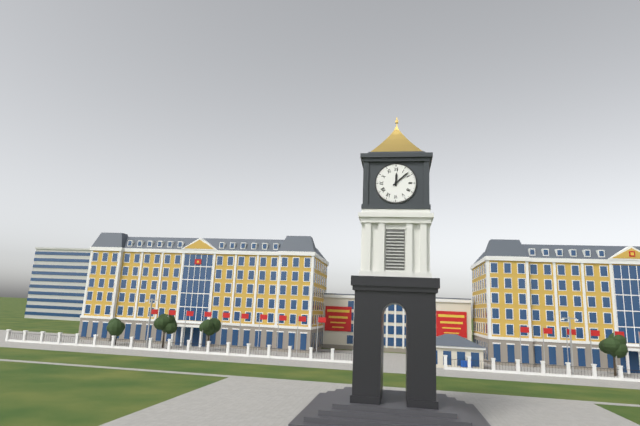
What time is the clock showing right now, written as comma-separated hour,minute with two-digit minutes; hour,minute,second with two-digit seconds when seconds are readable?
12,08
